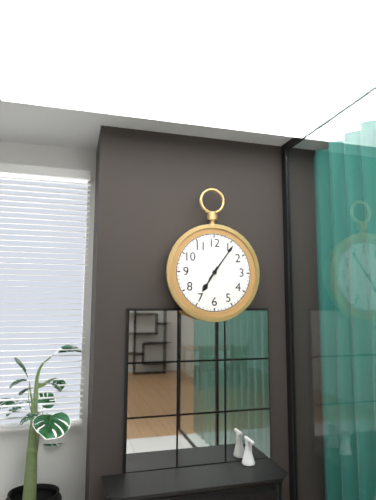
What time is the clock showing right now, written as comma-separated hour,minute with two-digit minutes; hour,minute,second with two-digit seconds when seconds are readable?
7,06
